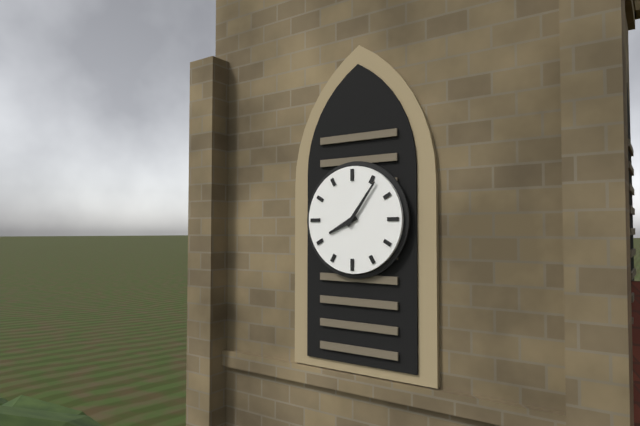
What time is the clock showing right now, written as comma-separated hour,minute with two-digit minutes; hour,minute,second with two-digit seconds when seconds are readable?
8,06
